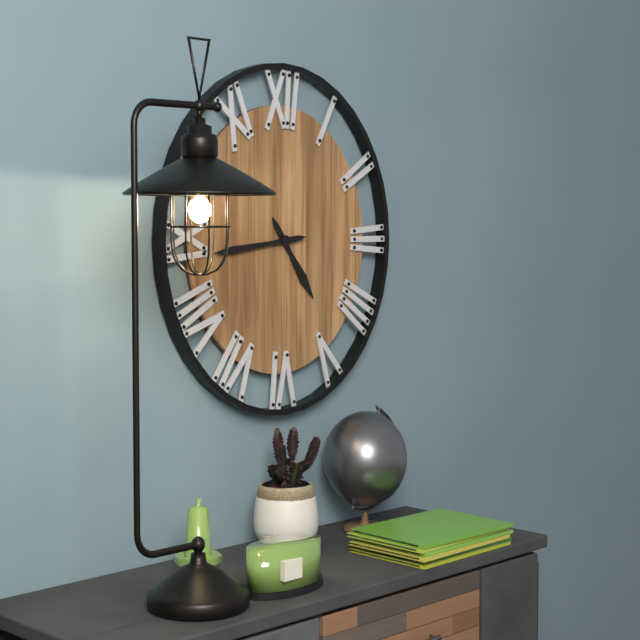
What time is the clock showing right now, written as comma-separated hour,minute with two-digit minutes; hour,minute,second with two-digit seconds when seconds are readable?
4,44
